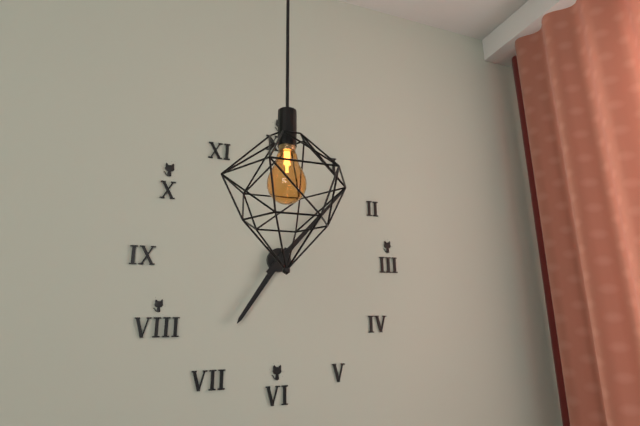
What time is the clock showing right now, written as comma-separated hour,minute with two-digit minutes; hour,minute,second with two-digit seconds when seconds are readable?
7,07
